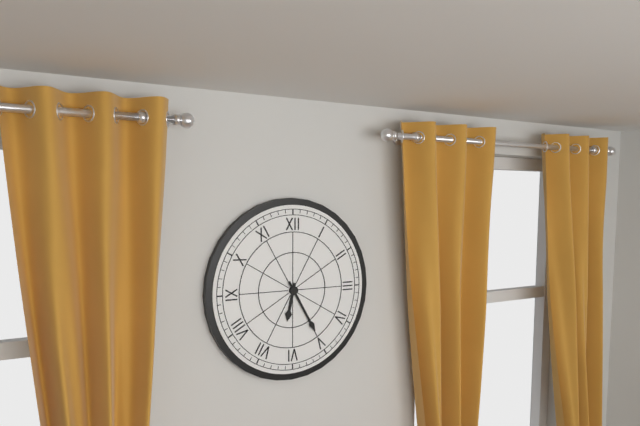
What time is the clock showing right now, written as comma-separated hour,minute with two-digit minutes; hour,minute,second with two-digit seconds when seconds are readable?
6,25
